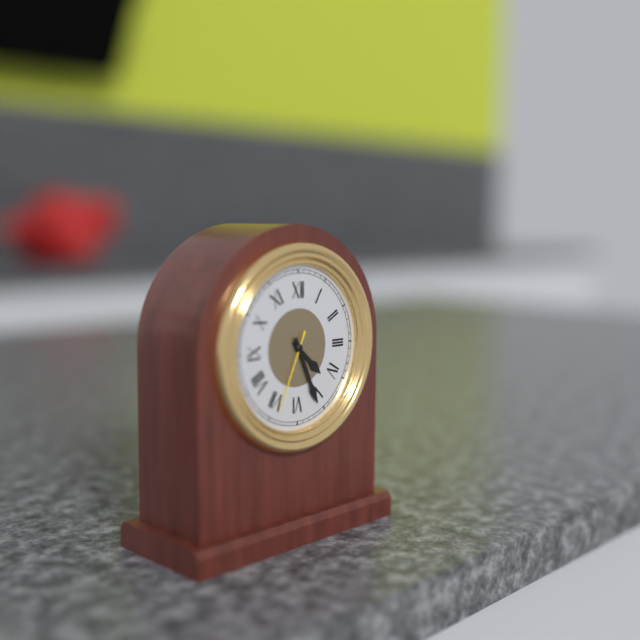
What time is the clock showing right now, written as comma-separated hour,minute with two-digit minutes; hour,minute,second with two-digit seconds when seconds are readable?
4,26,34
